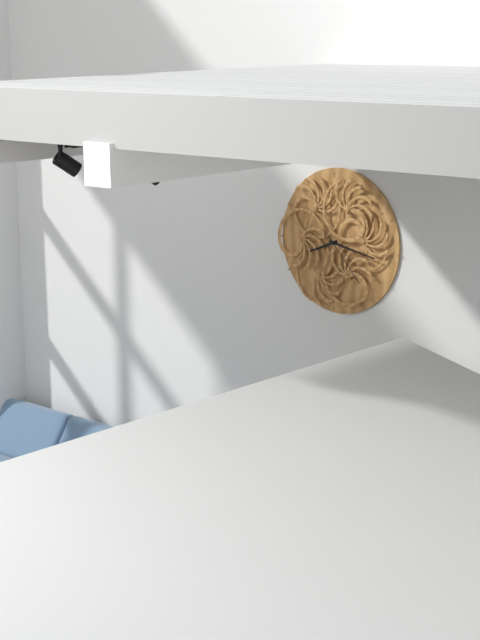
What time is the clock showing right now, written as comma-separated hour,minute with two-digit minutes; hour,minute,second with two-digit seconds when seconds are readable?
8,17,23
